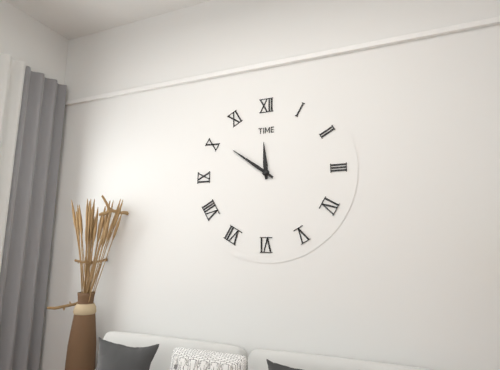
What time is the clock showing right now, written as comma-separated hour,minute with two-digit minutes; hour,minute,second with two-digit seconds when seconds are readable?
11,51
